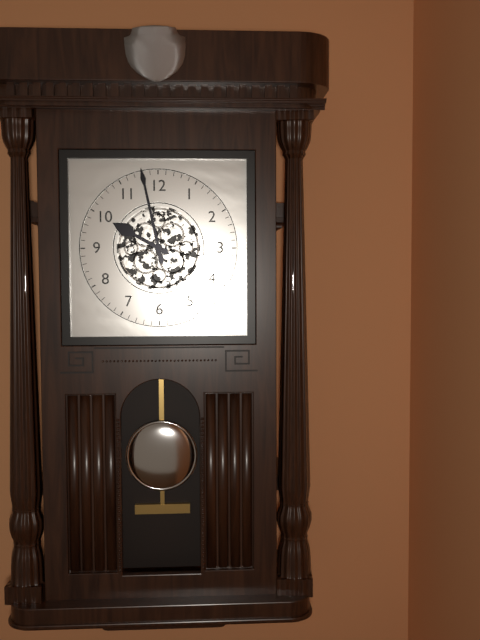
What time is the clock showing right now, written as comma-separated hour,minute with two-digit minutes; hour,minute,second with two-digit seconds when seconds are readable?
9,58
